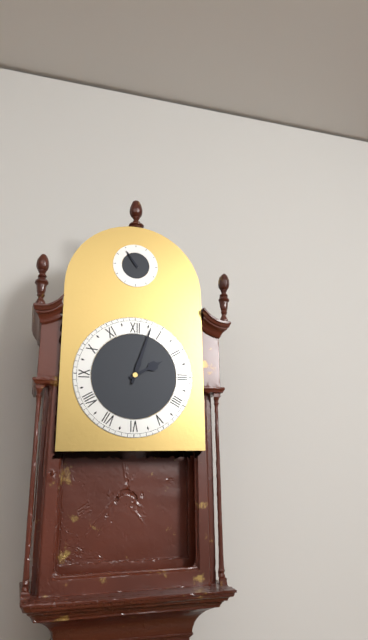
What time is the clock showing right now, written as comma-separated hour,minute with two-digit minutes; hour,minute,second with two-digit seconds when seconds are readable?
2,03
